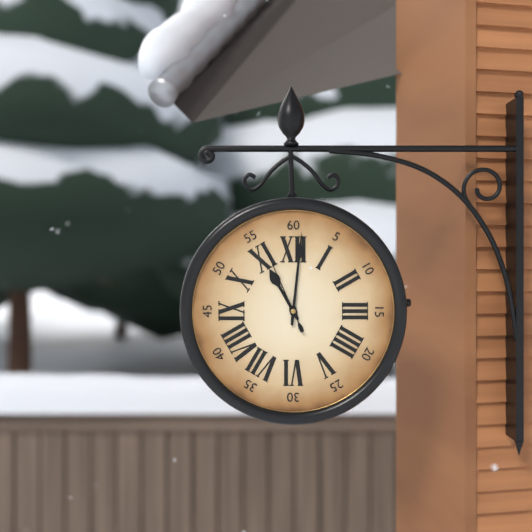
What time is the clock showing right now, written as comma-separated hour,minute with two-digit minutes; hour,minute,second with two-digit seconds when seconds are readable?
11,01,56
